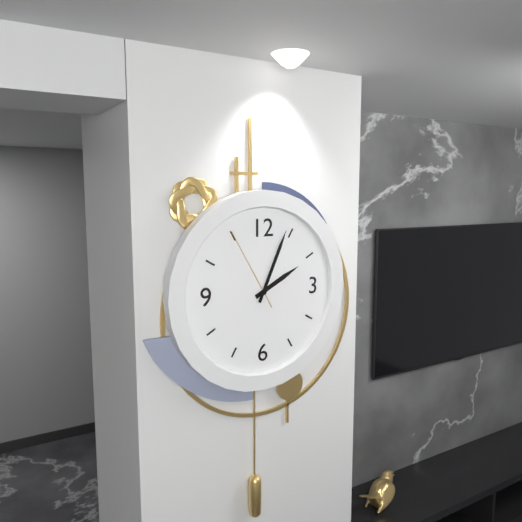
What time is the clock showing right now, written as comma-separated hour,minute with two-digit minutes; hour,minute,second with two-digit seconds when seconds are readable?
2,04,55
